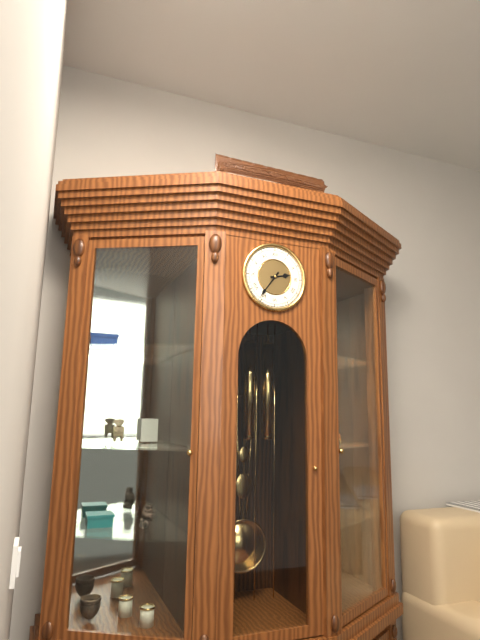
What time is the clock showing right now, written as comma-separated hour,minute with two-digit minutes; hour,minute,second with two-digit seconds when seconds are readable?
2,36
